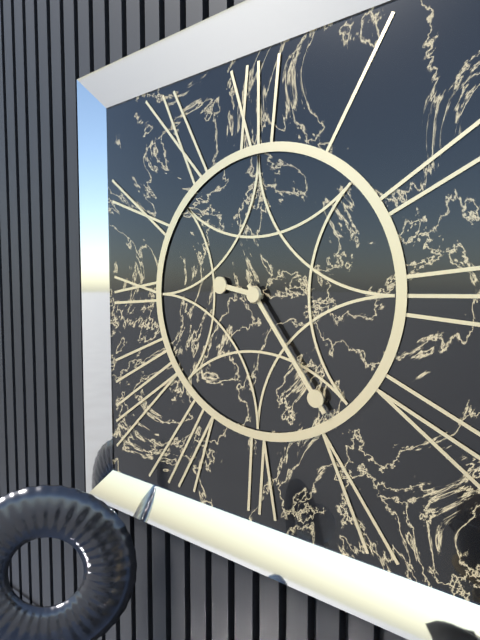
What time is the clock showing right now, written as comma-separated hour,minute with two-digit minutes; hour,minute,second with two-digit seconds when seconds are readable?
9,24
